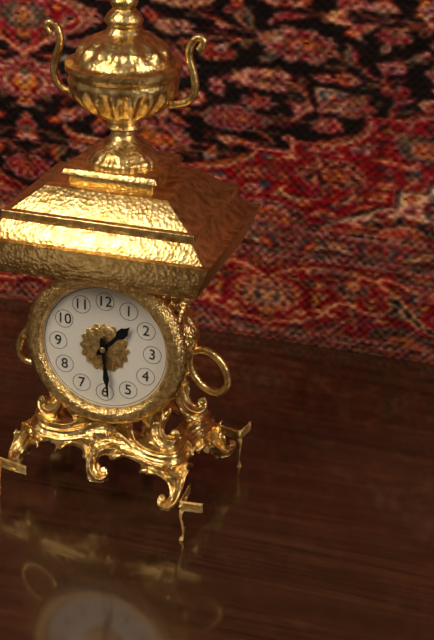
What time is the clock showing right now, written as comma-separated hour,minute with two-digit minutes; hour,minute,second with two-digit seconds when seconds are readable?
1,29
